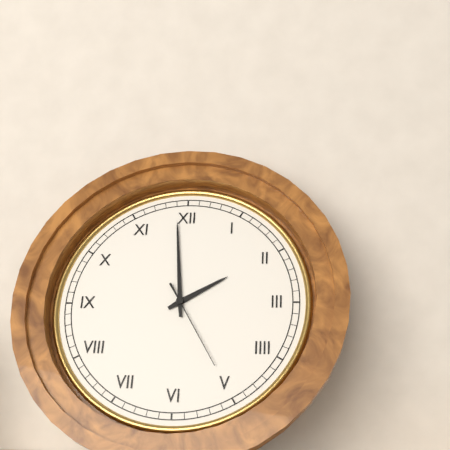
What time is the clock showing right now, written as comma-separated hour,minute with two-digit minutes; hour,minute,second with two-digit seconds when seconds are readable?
1,59,25
